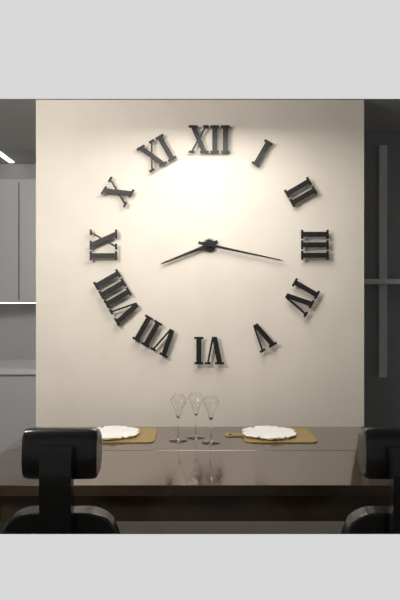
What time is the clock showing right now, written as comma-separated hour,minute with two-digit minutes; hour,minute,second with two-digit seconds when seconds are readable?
8,17
